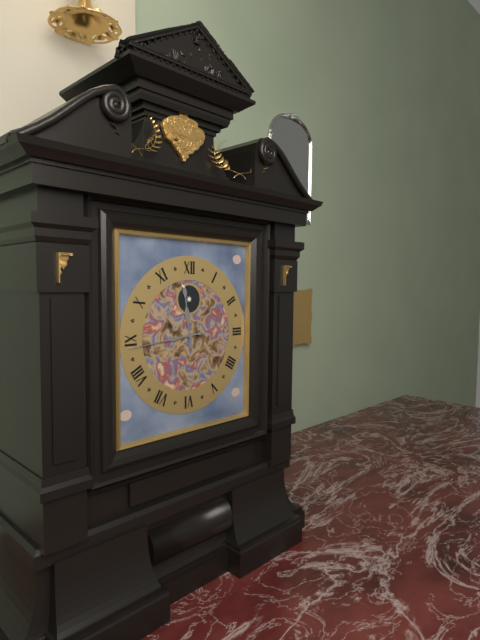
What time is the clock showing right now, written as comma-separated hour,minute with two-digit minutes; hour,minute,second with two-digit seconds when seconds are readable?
11,44
